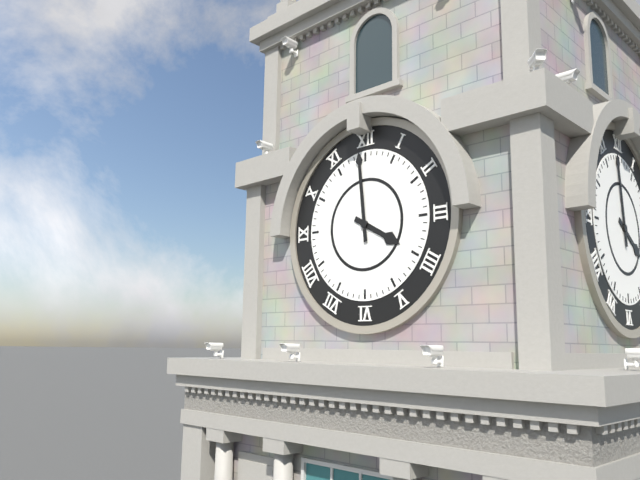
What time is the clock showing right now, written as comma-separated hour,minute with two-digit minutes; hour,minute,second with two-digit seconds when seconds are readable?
3,59
